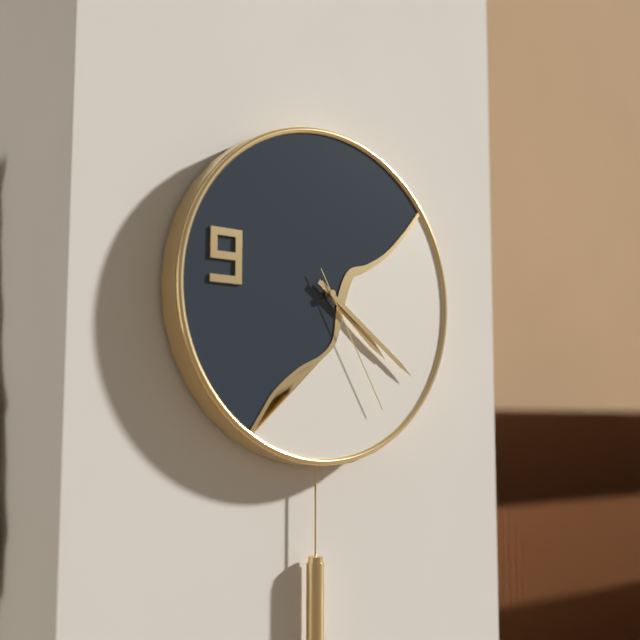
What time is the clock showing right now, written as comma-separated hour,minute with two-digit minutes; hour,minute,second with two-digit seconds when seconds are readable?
4,21,25
